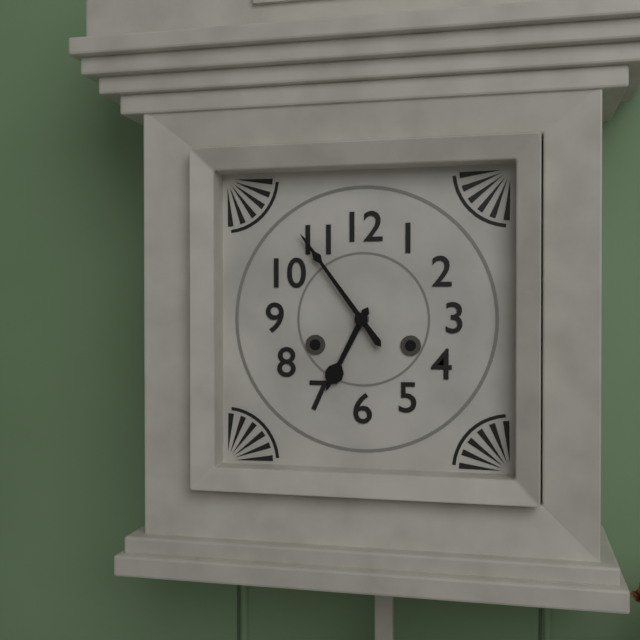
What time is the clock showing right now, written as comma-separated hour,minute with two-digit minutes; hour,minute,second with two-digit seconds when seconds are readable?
6,54
